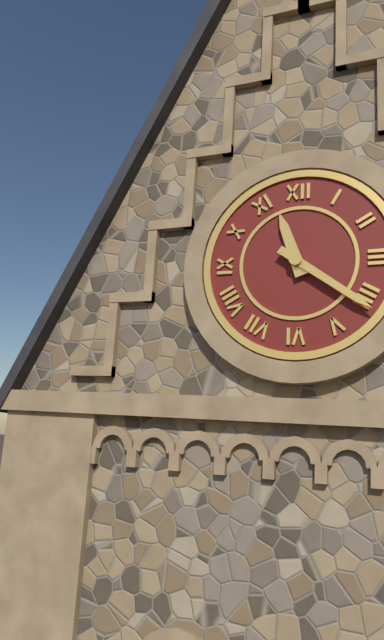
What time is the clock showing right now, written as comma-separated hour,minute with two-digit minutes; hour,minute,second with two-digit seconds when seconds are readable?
11,21
